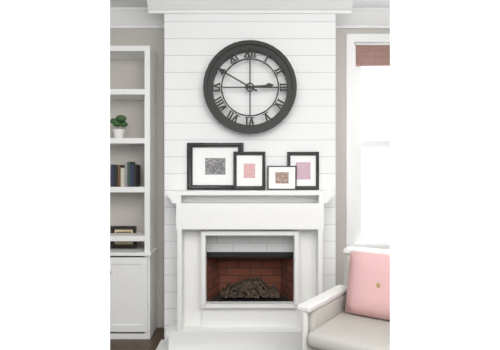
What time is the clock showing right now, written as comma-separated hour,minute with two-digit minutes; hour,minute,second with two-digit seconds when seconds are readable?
2,50
